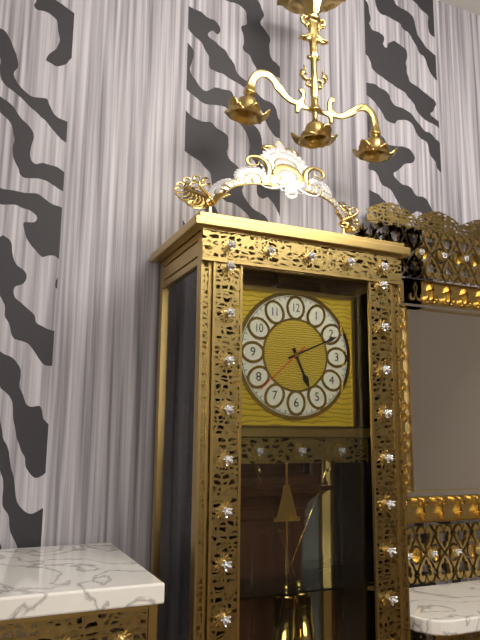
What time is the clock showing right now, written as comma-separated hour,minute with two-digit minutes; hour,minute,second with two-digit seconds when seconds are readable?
5,11,38
